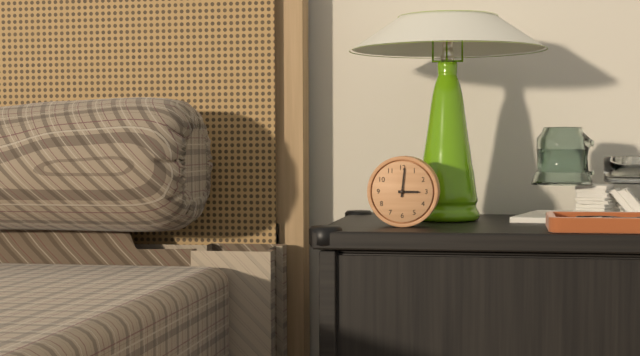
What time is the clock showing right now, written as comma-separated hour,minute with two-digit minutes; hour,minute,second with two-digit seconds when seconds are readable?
3,01
